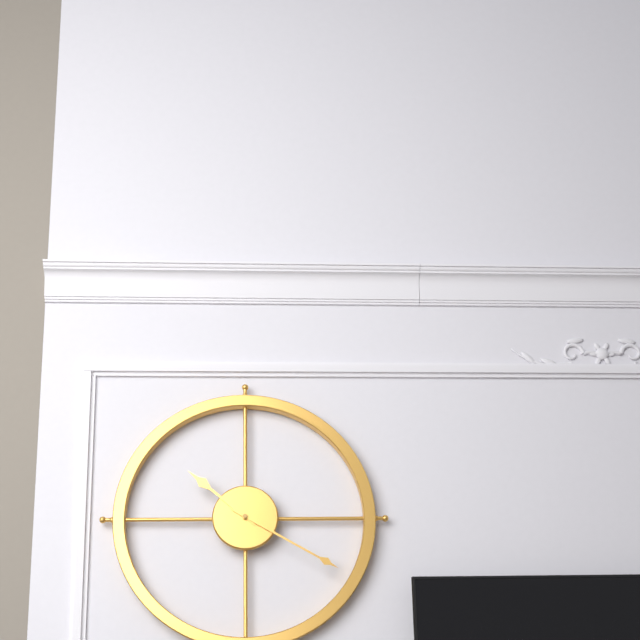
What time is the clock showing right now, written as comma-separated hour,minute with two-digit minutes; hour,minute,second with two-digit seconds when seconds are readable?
10,20
